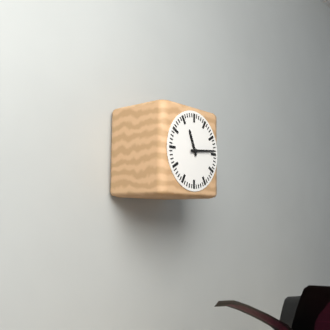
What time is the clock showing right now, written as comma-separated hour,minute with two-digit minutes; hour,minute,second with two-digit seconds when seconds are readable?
11,14
